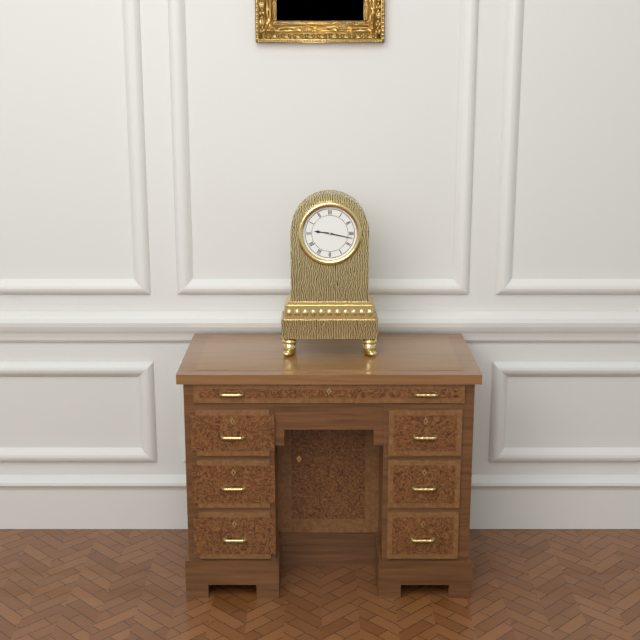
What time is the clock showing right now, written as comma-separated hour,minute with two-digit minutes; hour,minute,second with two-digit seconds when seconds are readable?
9,17
